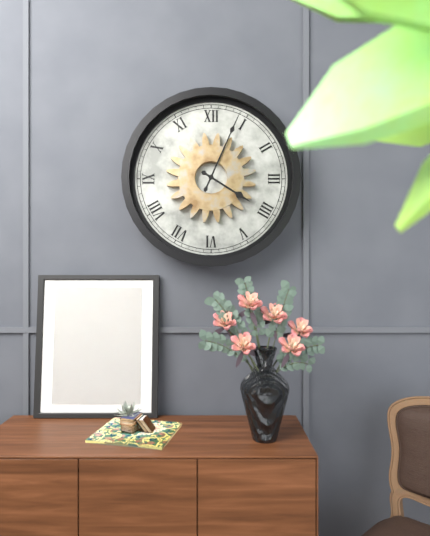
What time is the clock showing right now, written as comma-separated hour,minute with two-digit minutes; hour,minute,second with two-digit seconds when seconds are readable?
4,04
